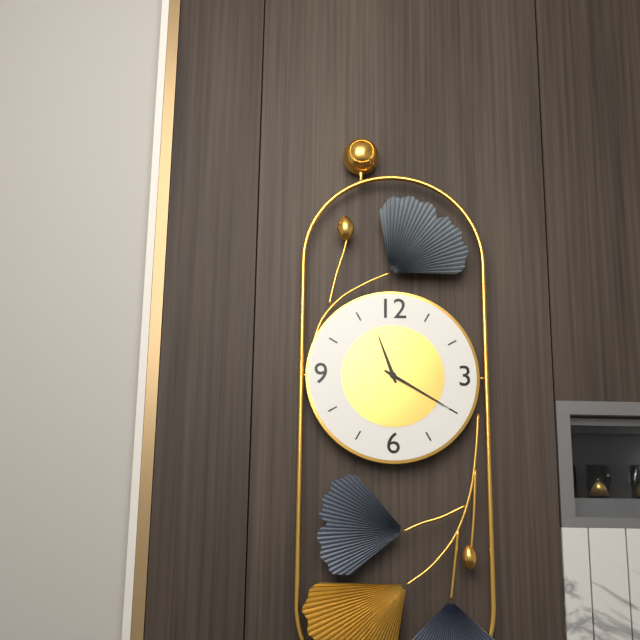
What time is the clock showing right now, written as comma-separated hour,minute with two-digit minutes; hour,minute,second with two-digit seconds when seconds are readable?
11,20
